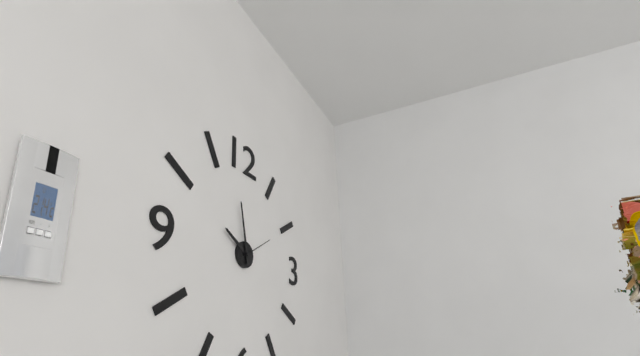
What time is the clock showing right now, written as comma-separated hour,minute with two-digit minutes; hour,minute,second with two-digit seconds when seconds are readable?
9,58
